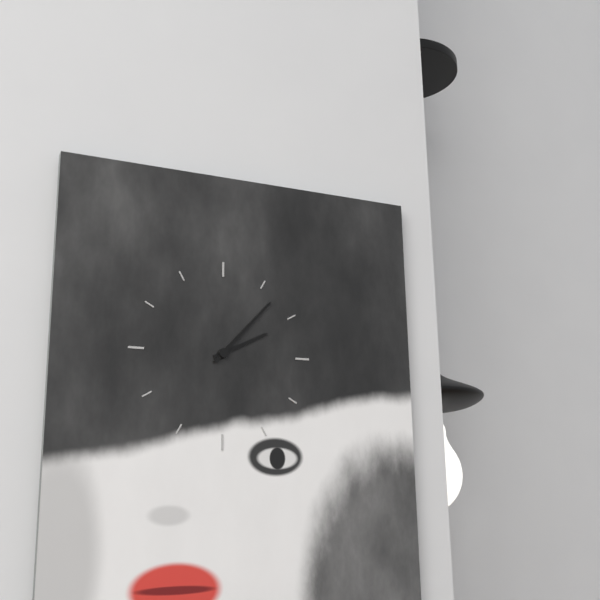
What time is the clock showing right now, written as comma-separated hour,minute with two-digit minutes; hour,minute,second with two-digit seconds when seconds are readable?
2,07
